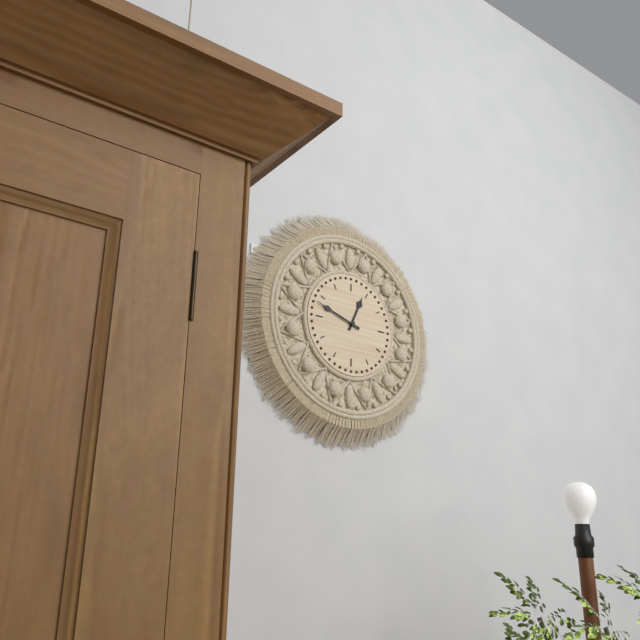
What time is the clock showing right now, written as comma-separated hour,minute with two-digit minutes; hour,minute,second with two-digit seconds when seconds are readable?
12,48
